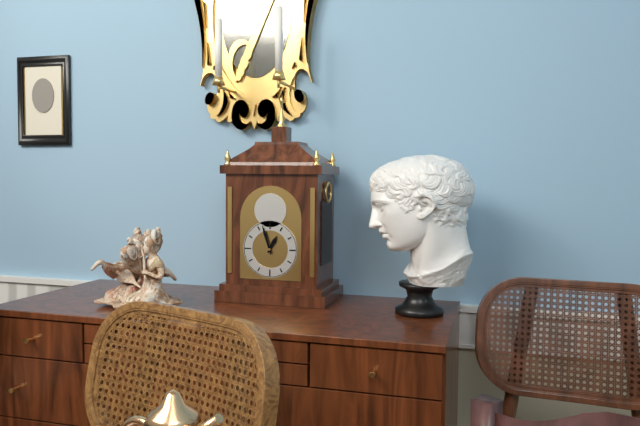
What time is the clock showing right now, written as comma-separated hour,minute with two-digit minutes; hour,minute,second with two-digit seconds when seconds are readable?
12,57
